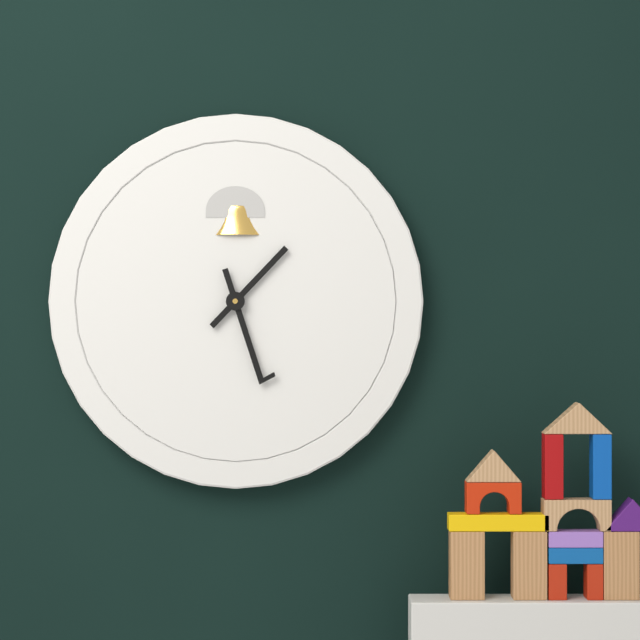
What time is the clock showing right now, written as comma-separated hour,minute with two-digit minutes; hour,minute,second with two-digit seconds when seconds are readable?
1,27
